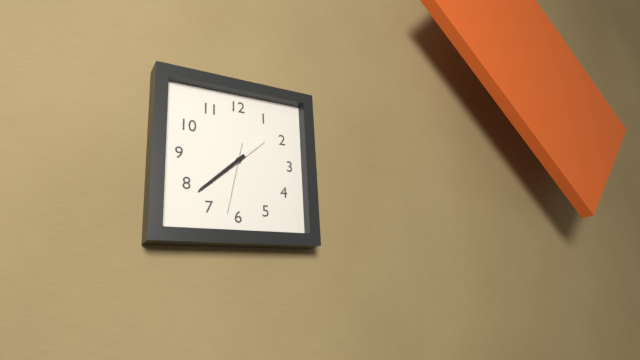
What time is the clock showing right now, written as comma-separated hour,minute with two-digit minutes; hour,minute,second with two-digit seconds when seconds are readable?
1,38,32
